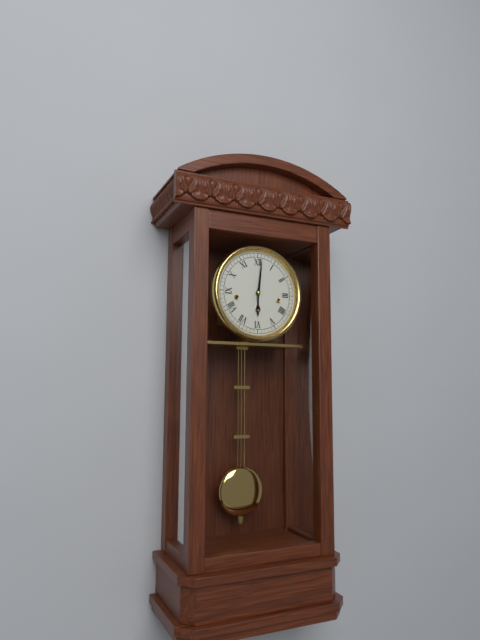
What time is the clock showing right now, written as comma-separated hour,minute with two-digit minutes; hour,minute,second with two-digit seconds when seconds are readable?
6,01
